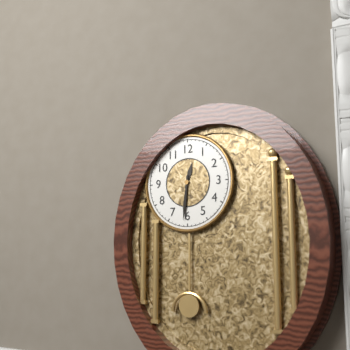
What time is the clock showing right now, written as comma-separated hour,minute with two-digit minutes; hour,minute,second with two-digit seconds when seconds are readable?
12,31
